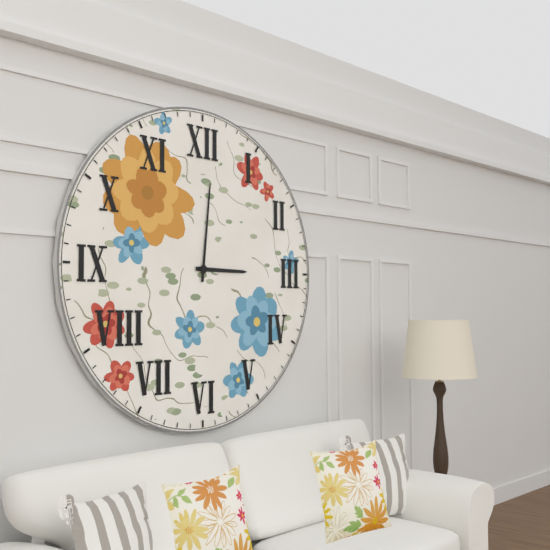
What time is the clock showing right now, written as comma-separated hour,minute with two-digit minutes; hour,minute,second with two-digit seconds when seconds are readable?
3,01
